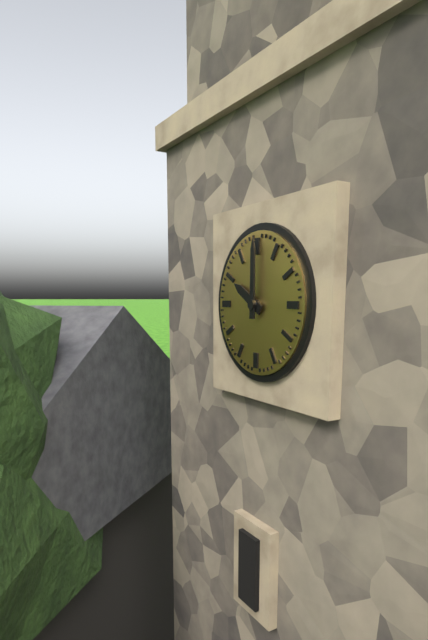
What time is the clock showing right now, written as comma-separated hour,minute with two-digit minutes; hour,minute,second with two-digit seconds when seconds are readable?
10,00
